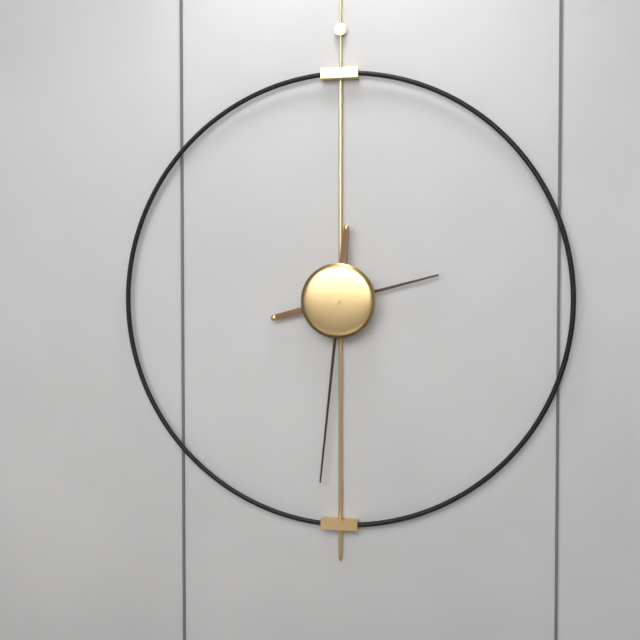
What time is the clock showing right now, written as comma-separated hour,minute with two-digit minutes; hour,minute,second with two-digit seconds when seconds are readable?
2,31
